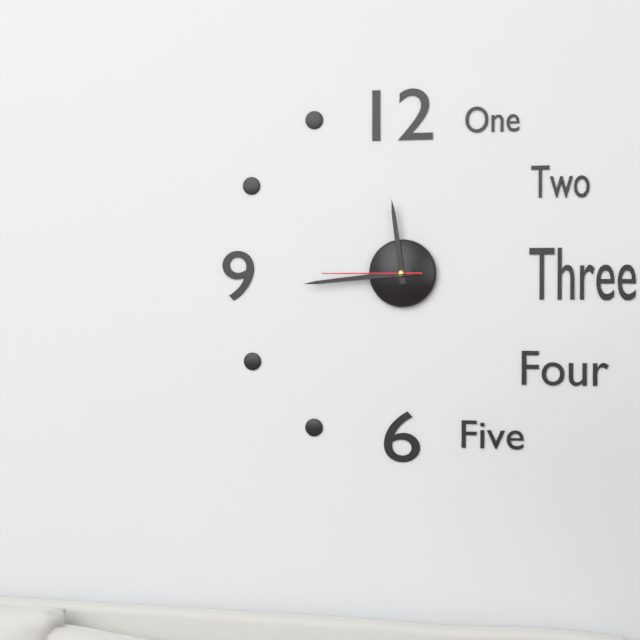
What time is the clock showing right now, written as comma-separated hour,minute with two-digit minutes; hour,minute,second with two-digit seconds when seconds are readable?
11,44,45
